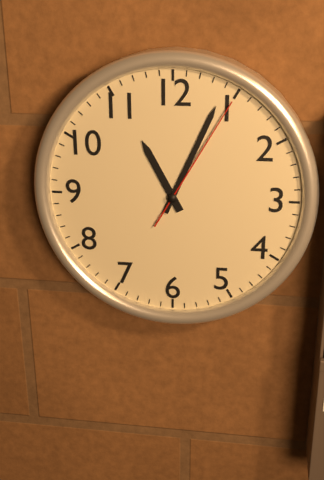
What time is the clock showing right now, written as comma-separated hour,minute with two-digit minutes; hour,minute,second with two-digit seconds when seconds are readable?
11,04,05
